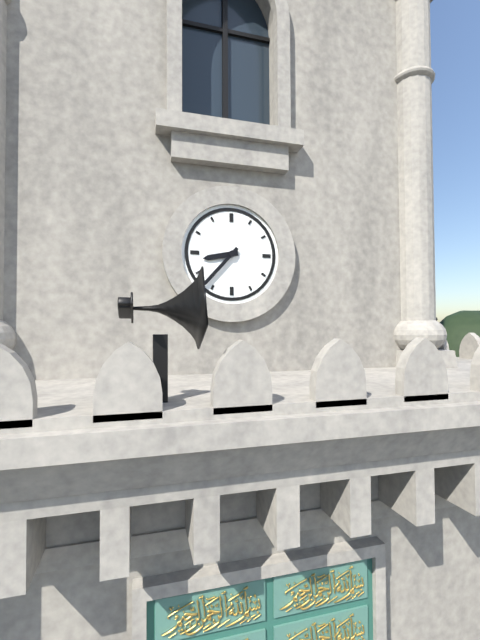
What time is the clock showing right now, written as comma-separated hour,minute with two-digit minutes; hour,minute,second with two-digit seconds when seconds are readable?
8,37
